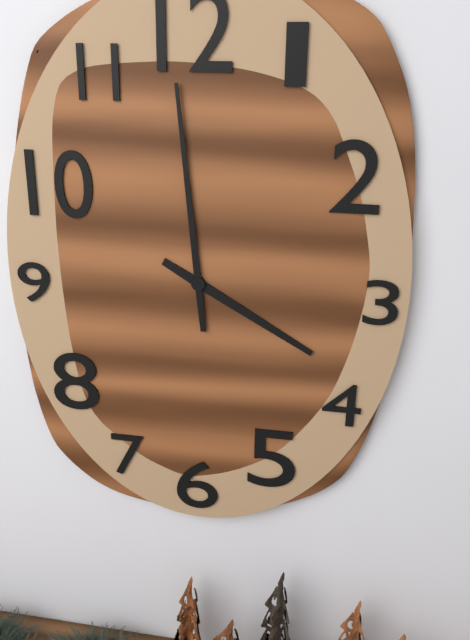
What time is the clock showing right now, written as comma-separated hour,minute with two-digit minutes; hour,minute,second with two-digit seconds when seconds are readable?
3,59
